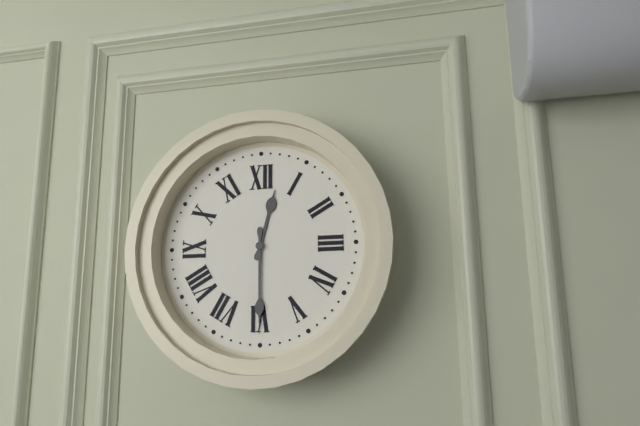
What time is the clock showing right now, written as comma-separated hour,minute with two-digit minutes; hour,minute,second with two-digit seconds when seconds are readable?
12,30
